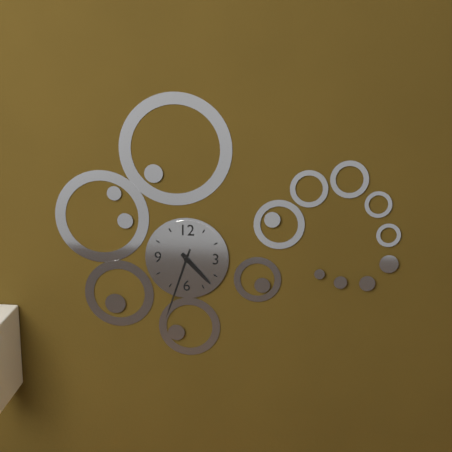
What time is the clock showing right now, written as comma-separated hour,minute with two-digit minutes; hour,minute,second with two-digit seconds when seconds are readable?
4,33
